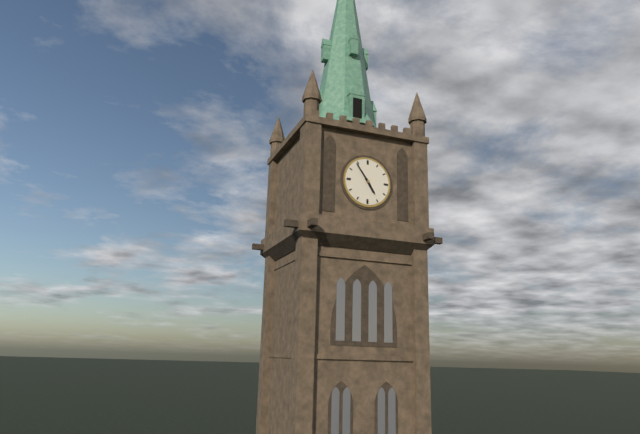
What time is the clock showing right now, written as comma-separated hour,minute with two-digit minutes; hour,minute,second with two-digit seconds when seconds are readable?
4,54
